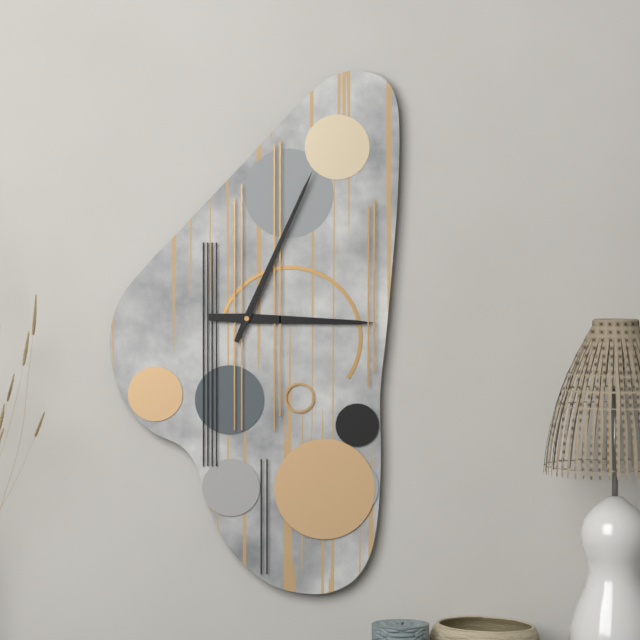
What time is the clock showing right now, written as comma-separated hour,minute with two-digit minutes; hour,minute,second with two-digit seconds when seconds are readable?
3,04
